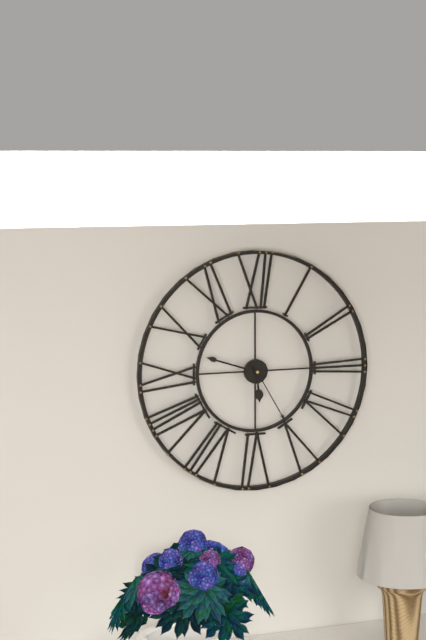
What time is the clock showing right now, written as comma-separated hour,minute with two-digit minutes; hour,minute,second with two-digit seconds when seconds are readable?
5,48,25
